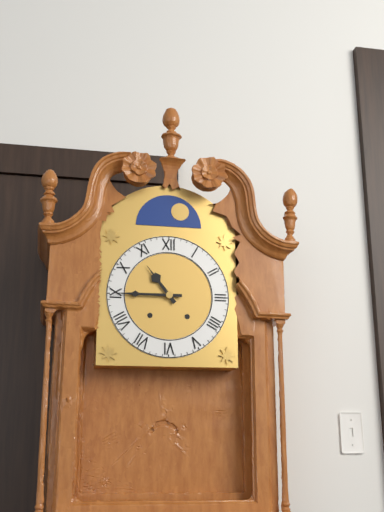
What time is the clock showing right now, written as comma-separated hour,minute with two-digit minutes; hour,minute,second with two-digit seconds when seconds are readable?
10,45
